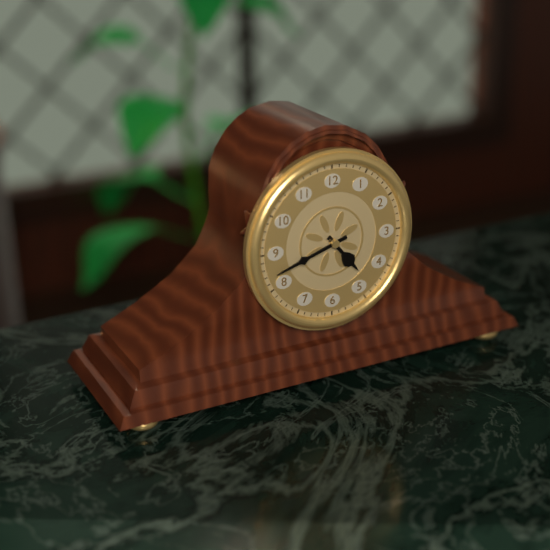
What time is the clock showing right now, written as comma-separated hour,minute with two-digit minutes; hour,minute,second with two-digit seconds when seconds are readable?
4,42
